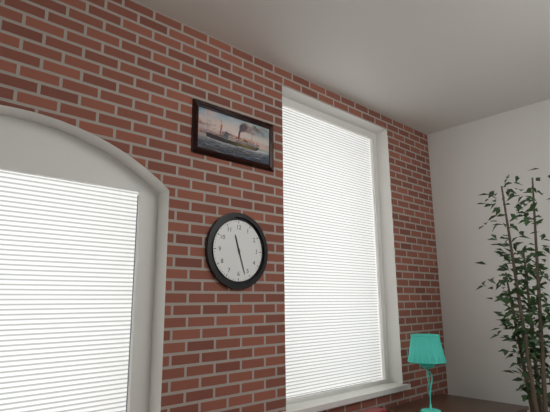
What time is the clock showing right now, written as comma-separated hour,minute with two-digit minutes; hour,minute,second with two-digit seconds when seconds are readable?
11,27
